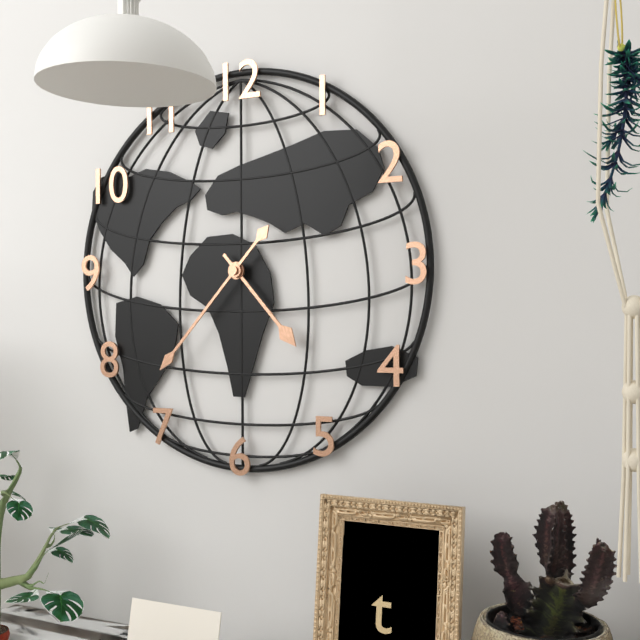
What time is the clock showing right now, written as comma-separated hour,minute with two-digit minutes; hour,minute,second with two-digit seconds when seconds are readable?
4,37
